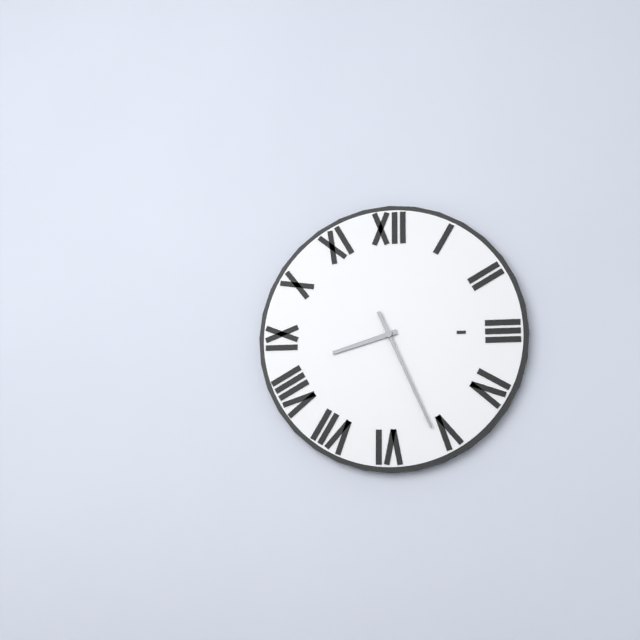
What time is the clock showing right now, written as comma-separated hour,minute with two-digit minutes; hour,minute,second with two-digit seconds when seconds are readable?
8,26
